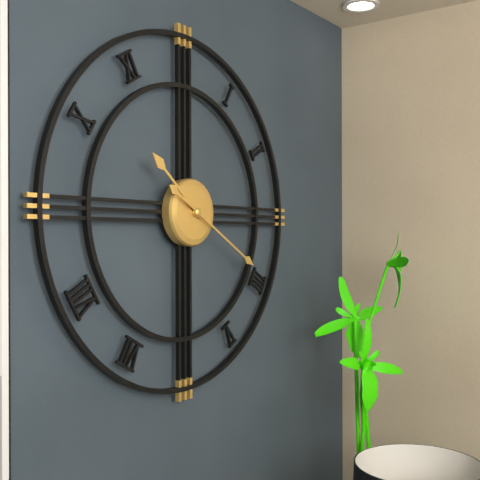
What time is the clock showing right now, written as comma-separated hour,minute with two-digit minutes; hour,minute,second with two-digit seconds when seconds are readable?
10,20
